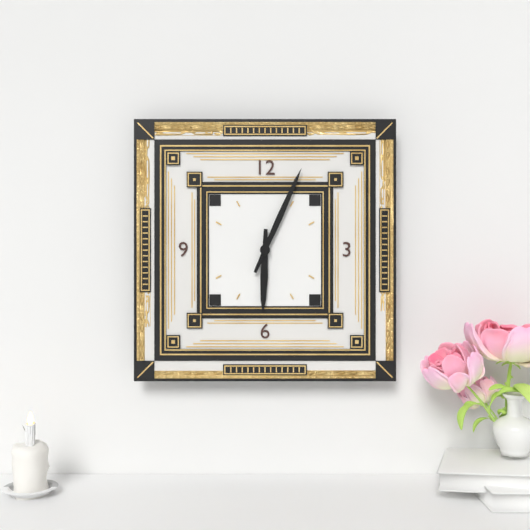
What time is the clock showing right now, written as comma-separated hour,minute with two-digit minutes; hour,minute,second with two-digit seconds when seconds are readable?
6,04
